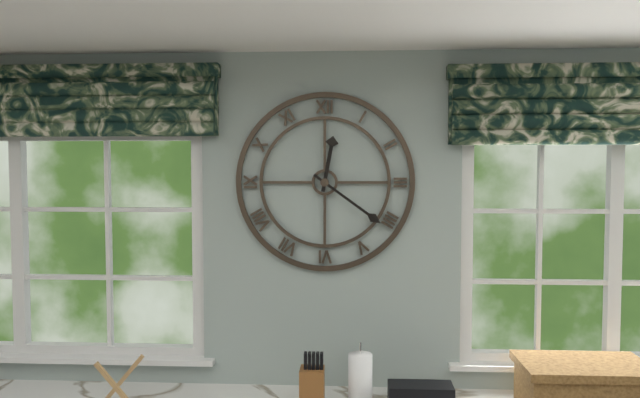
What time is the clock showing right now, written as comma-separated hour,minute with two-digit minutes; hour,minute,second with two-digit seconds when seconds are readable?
12,21
